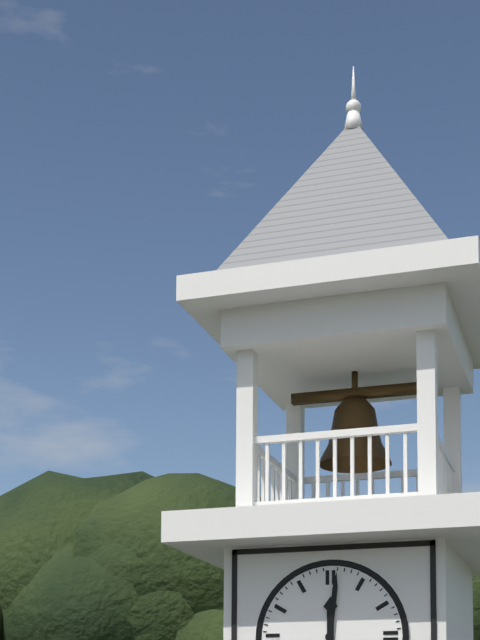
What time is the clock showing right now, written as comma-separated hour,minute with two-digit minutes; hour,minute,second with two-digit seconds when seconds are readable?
12,01
